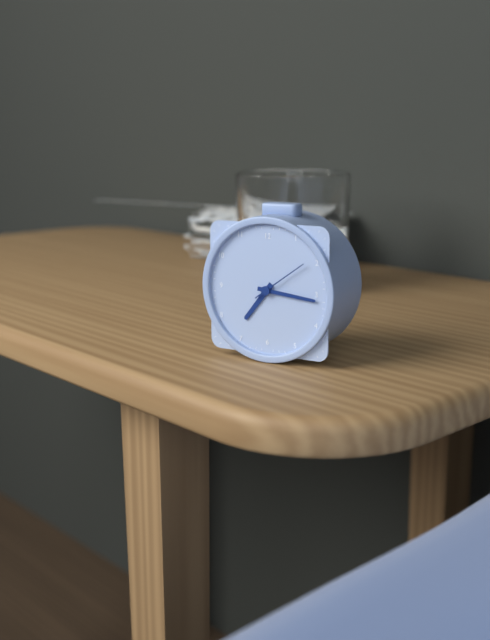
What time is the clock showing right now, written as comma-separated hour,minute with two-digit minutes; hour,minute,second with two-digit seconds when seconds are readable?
7,16,09
